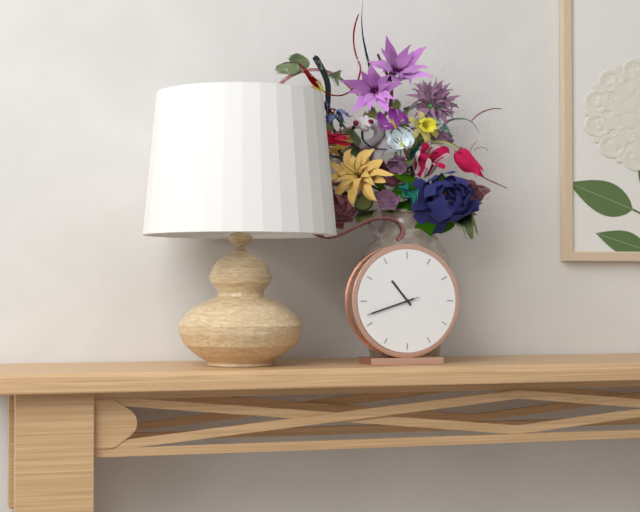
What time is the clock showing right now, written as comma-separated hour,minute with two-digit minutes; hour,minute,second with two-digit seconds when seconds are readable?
10,42,42
